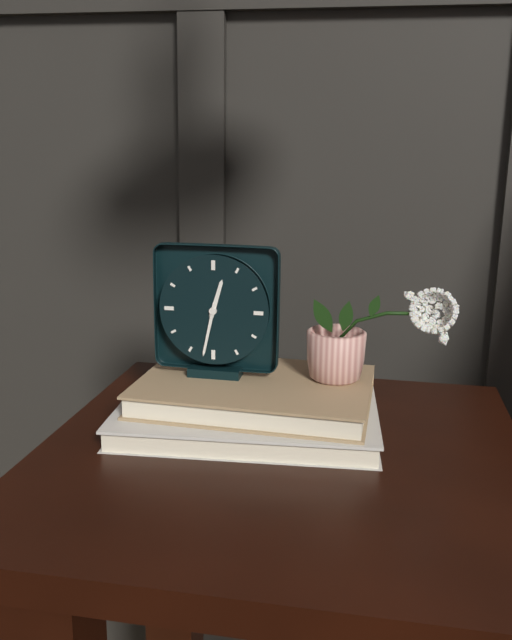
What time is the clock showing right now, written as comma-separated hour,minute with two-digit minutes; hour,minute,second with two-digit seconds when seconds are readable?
12,32
